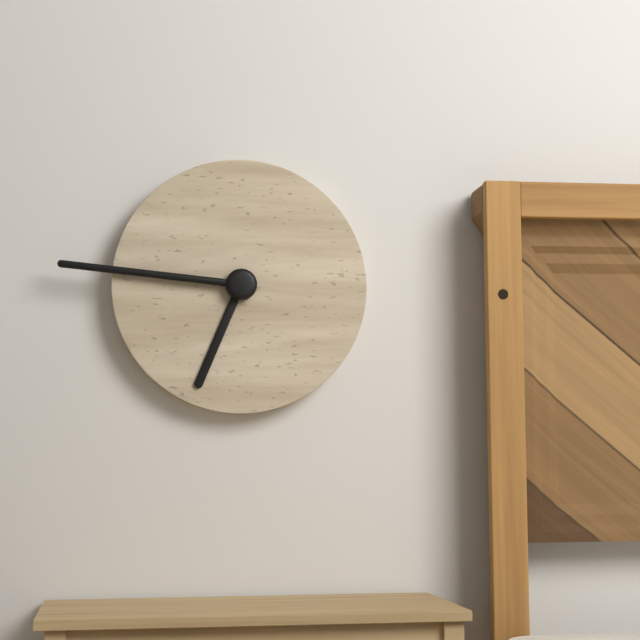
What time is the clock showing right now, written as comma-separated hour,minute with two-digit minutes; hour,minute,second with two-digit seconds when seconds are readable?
6,46
